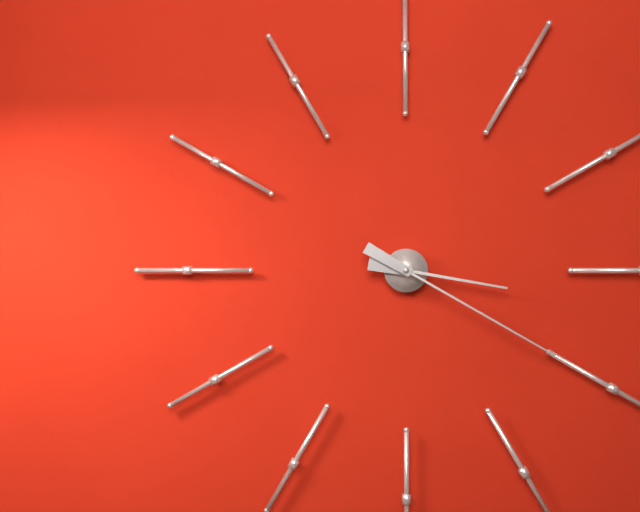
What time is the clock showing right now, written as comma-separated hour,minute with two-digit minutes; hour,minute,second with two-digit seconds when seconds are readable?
3,20
